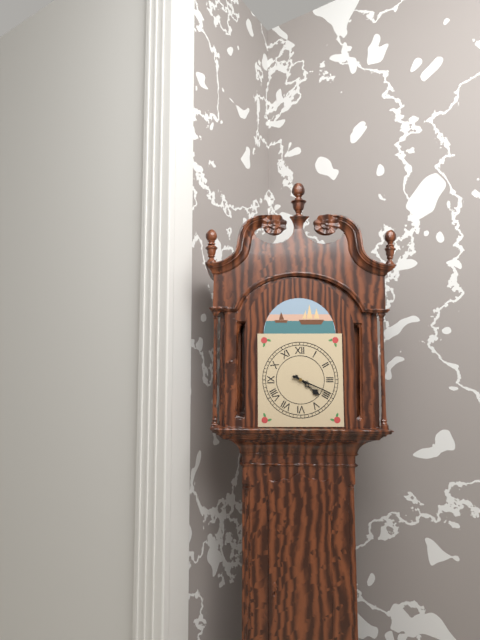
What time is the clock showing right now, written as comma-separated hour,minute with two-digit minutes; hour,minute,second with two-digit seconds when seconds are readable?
4,19
